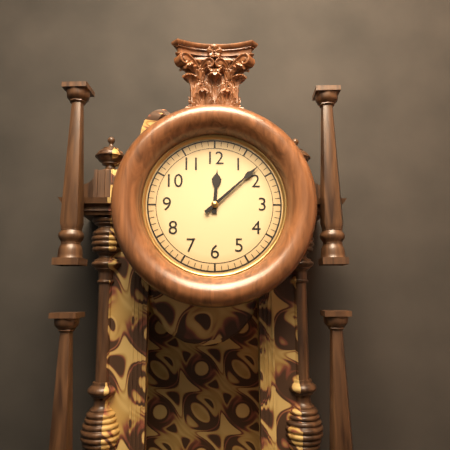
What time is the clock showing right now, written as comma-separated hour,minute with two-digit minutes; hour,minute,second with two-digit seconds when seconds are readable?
12,08
